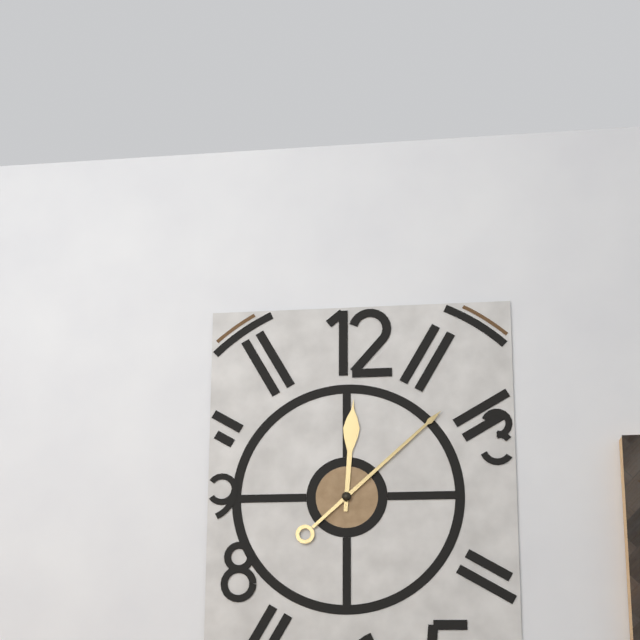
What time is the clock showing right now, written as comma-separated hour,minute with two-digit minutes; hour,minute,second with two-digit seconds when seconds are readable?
12,08
